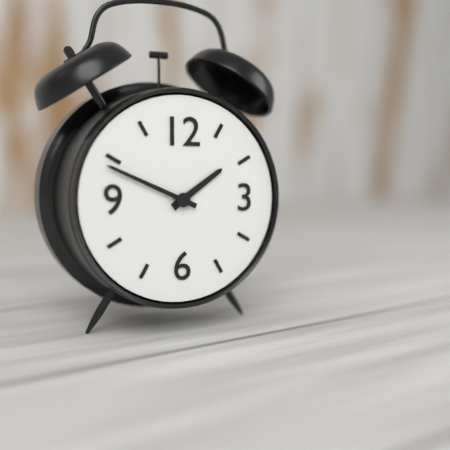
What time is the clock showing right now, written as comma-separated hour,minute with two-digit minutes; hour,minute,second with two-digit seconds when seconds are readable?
1,49
